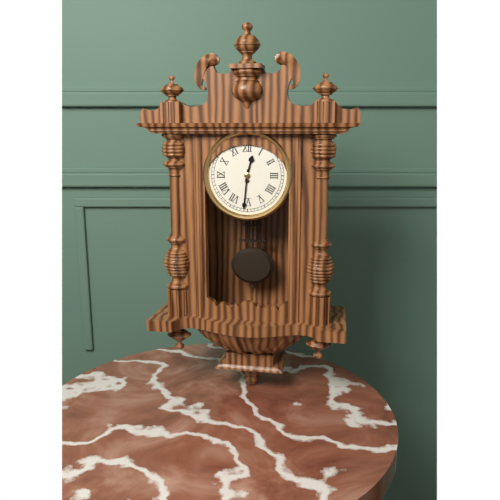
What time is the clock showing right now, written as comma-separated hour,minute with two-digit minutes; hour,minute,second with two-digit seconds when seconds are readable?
12,31
